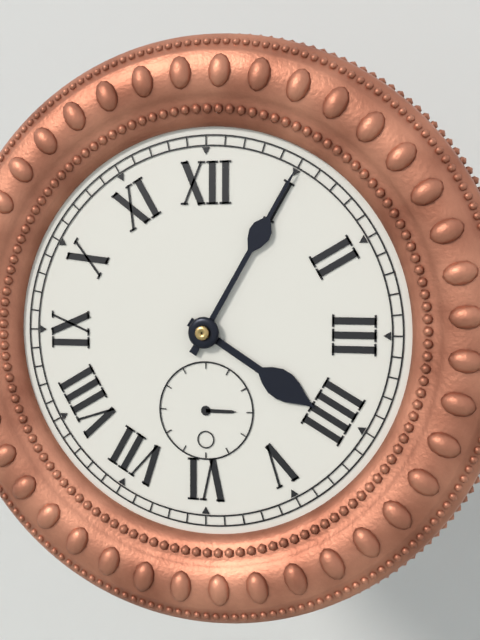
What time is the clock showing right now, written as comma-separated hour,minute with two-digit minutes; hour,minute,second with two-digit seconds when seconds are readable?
4,05
